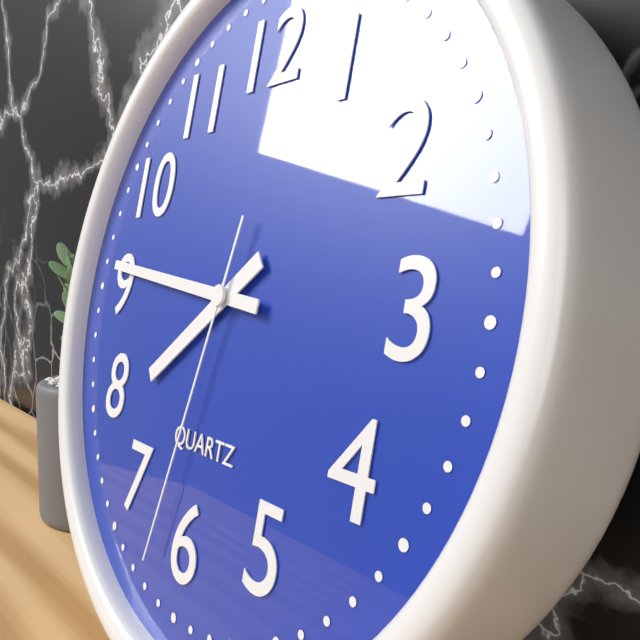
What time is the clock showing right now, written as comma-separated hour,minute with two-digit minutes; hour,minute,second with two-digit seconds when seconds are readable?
7,46,32
